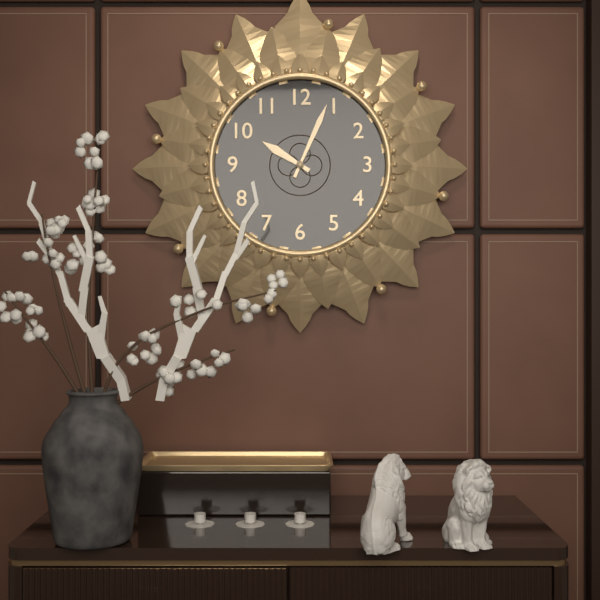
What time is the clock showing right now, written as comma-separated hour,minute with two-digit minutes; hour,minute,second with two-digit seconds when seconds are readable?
10,04
